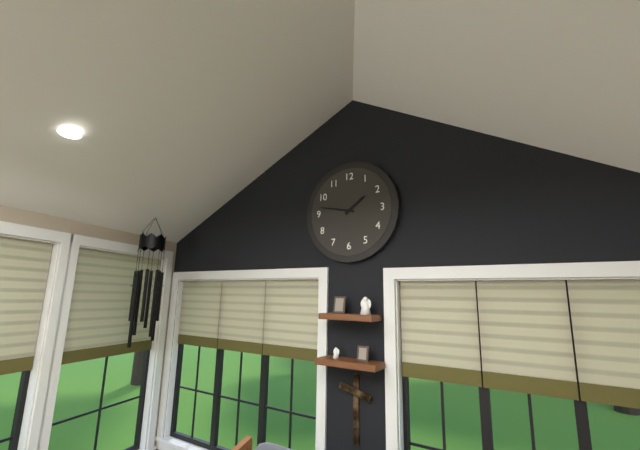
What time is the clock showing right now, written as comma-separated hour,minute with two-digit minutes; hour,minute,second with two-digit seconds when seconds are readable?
1,47
